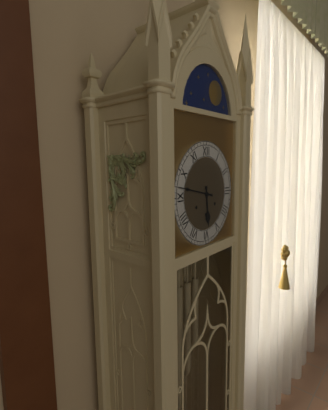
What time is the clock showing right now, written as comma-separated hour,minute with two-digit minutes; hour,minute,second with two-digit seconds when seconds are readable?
5,47
